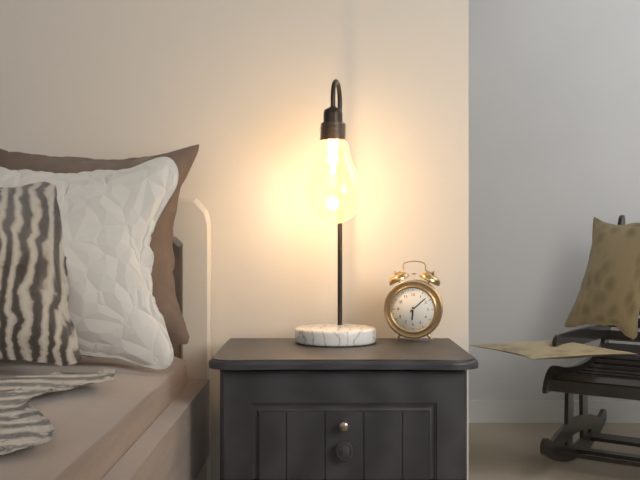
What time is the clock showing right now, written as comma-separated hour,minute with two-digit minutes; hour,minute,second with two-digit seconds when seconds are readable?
6,08
